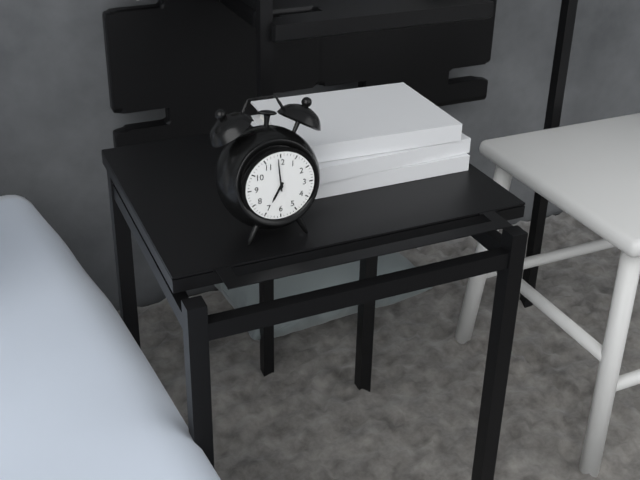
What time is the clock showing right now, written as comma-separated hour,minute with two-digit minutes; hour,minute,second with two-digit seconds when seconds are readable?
6,59
